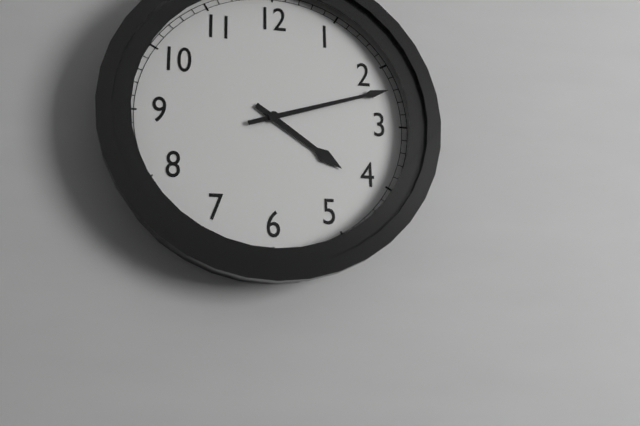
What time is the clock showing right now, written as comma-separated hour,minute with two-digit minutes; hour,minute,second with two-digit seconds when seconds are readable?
4,12
